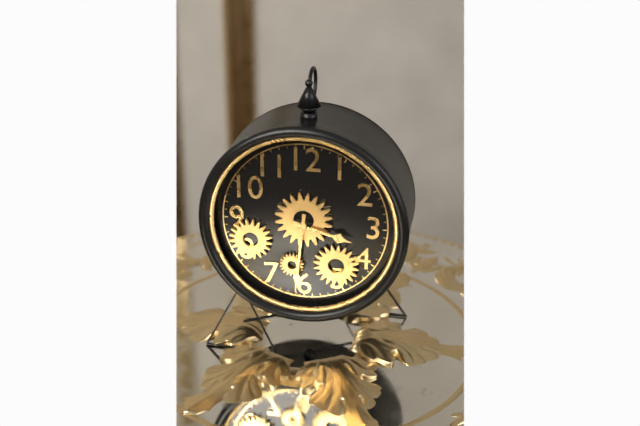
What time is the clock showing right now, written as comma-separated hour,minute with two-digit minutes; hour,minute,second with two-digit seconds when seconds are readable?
3,31
